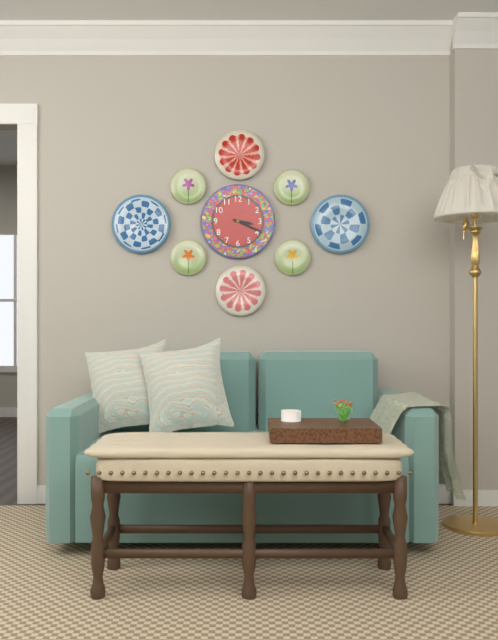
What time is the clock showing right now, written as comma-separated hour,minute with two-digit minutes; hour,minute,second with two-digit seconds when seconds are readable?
3,19
